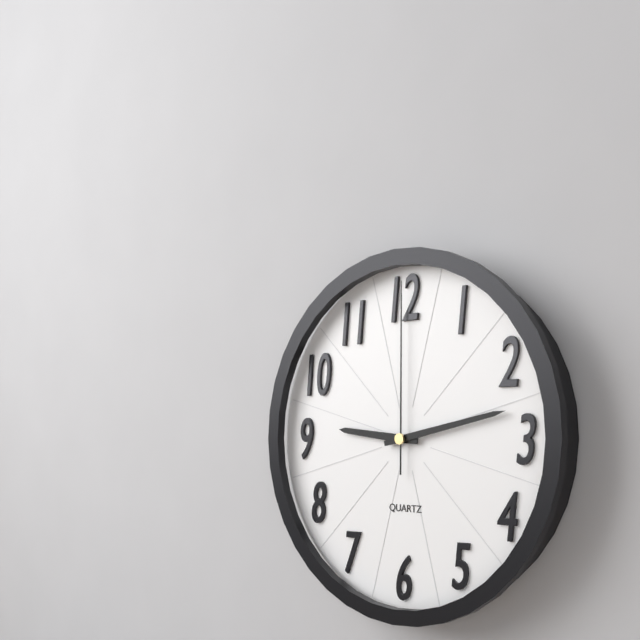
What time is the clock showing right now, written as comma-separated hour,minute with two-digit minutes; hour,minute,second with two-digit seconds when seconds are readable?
9,13,00
